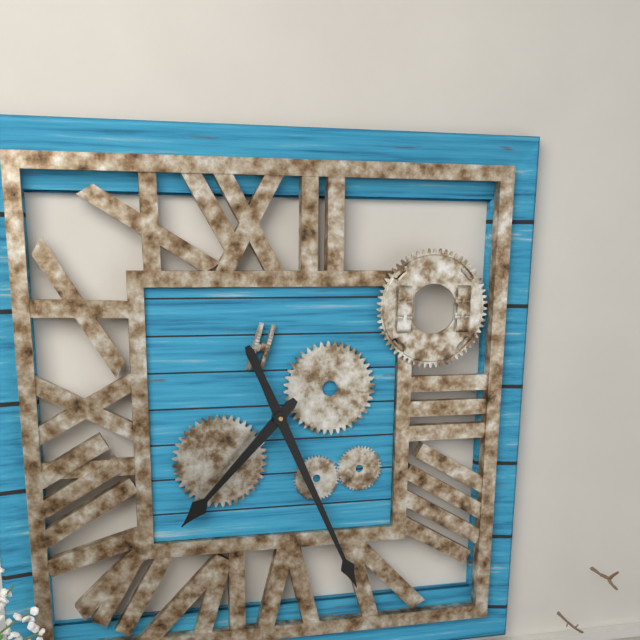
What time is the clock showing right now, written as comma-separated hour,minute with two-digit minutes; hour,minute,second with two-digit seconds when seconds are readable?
7,26
